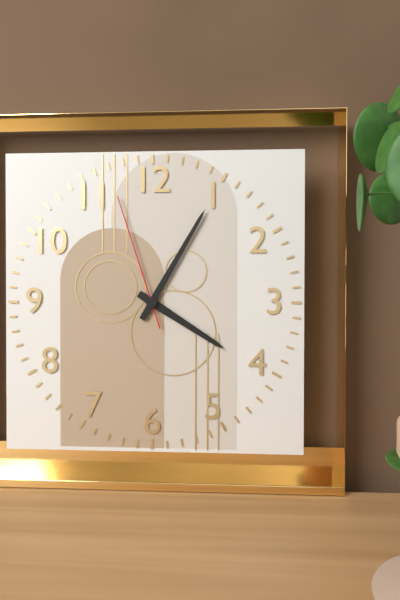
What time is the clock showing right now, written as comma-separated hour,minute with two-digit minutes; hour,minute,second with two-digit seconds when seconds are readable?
4,05,57
